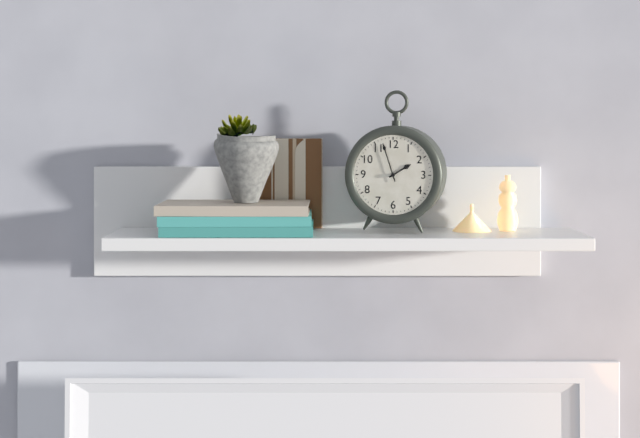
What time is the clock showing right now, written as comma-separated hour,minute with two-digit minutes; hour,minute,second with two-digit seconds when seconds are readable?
1,57
